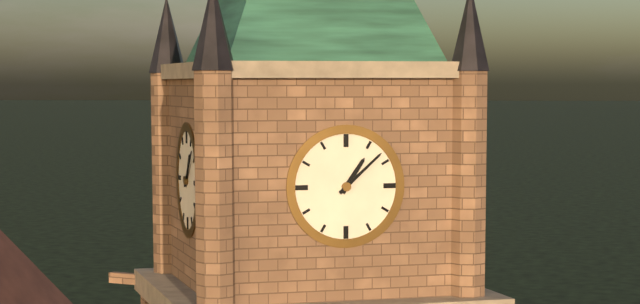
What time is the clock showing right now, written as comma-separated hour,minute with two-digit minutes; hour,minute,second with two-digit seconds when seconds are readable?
1,08
